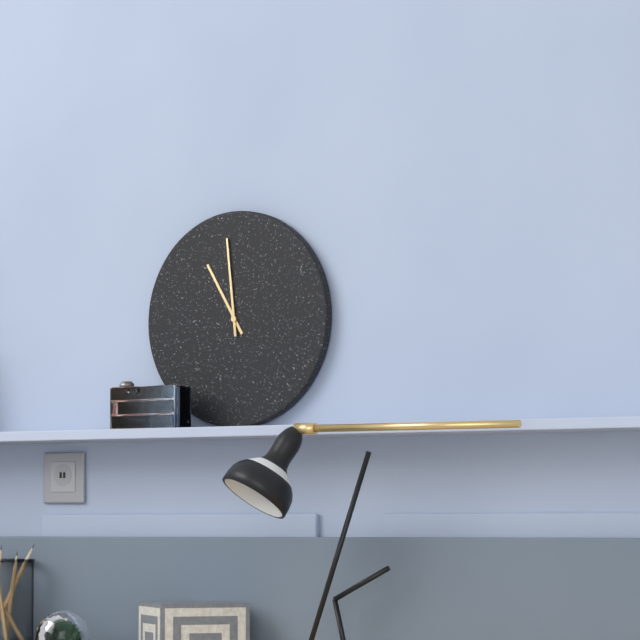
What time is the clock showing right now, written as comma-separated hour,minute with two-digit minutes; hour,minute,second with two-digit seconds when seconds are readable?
10,59
